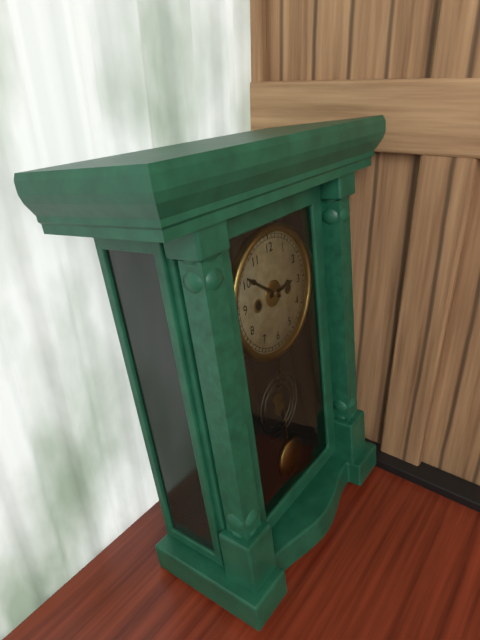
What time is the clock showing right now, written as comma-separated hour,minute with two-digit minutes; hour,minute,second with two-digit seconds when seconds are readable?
2,51
